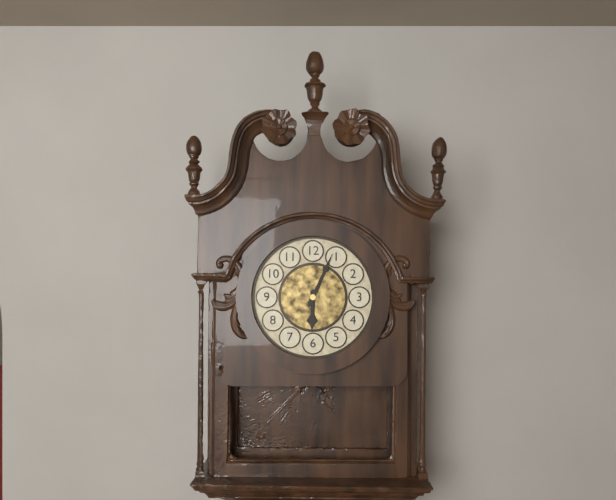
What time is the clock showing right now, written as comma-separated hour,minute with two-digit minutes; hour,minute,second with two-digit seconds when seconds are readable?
6,04
